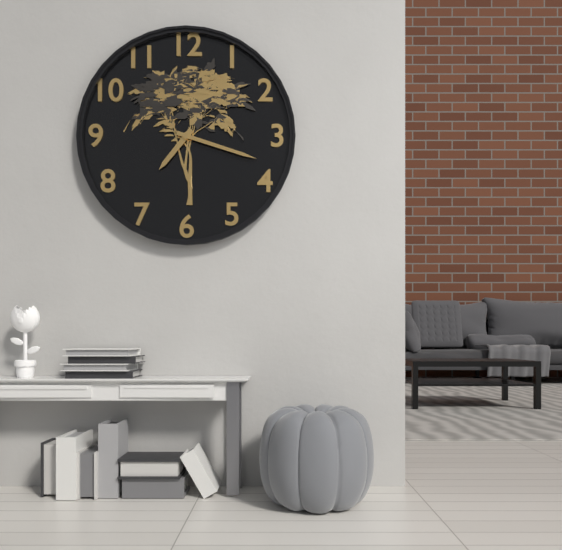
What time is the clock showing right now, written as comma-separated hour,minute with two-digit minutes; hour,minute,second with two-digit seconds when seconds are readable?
7,18
